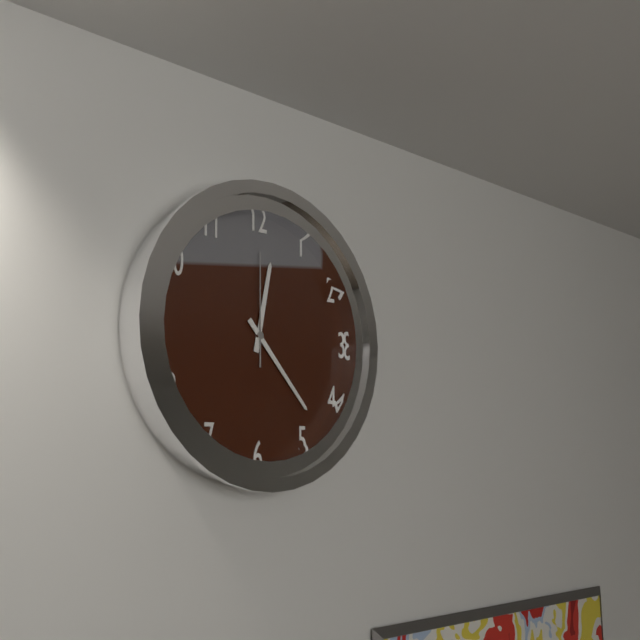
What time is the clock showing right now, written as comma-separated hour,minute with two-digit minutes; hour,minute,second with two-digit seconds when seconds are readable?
12,23,00
